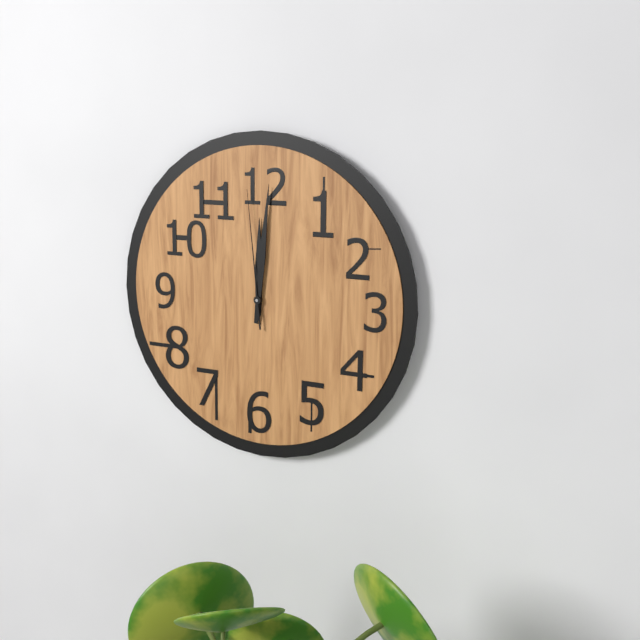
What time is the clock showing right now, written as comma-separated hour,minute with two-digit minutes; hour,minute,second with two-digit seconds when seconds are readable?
12,01,59
